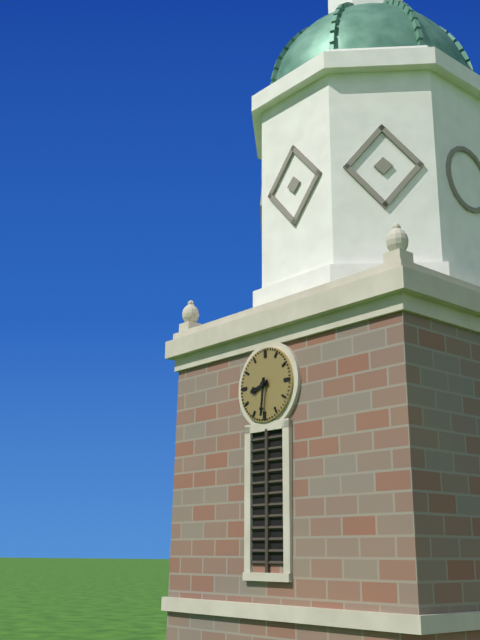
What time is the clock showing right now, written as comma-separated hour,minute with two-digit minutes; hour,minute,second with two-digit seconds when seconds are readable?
8,31
